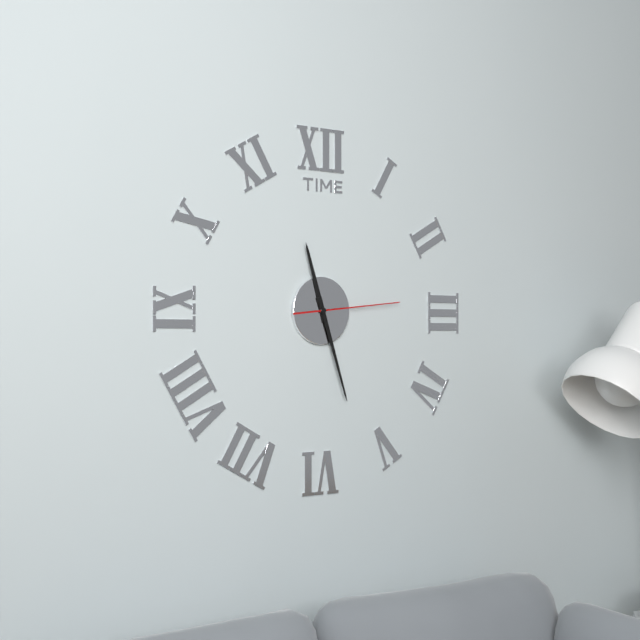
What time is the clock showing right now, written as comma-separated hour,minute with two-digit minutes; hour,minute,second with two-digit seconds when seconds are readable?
11,27,14
